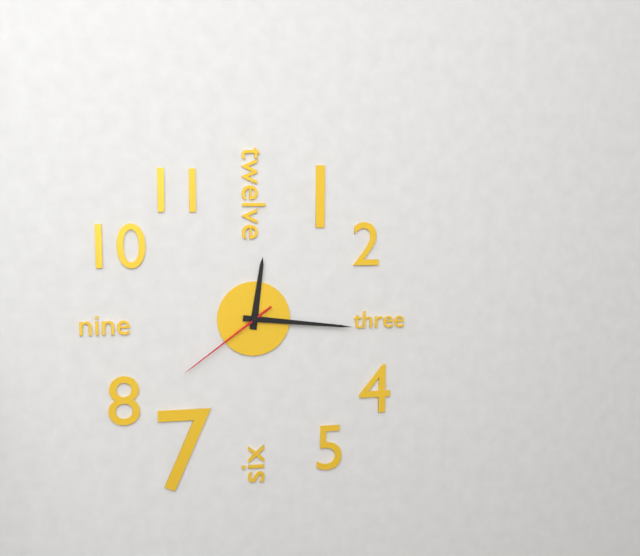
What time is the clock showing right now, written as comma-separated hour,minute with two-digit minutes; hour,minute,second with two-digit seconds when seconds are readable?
12,16,39
